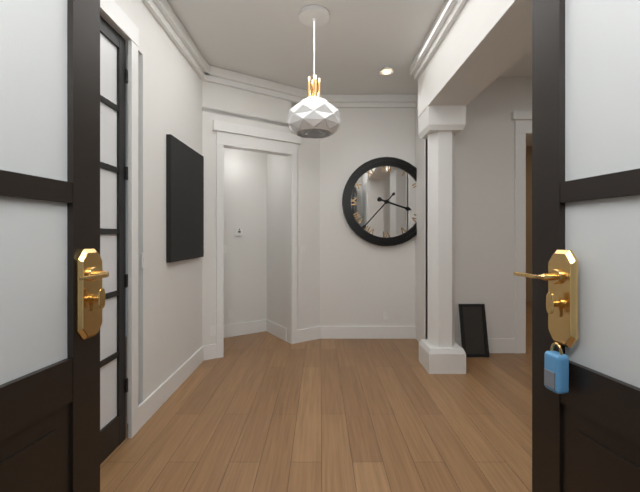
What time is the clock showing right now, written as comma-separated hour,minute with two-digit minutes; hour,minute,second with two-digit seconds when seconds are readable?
3,37
